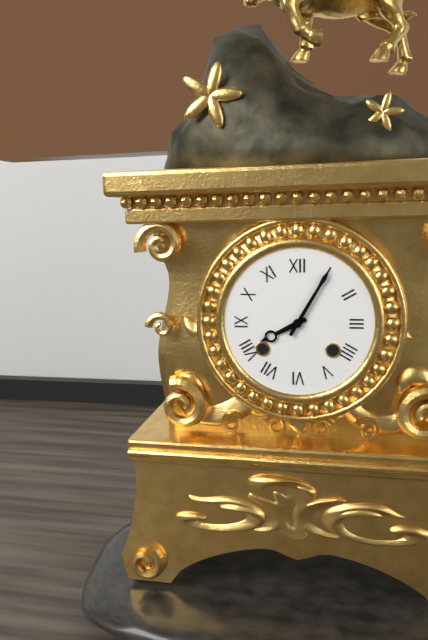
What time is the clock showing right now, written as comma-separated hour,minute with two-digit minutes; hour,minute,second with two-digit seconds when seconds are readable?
8,05
